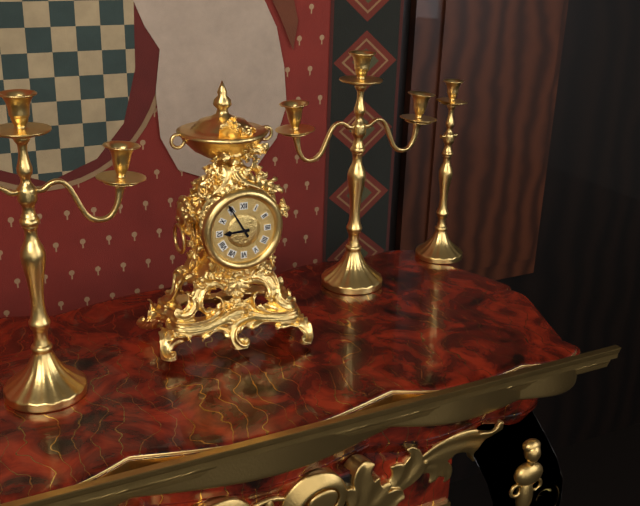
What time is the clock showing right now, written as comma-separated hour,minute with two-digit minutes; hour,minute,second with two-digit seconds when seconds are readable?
8,55
